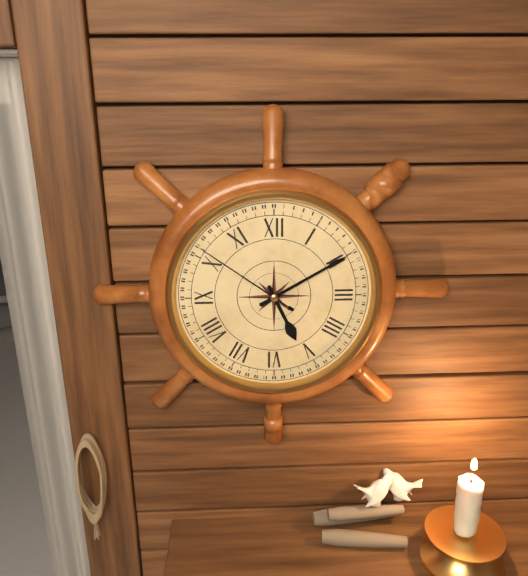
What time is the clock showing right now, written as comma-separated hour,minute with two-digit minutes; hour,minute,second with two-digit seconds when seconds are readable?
5,10,51
